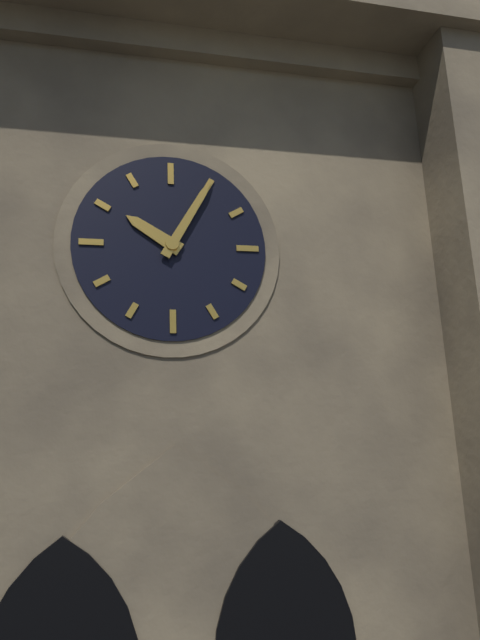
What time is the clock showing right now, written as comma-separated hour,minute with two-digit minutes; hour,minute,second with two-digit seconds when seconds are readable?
10,05
